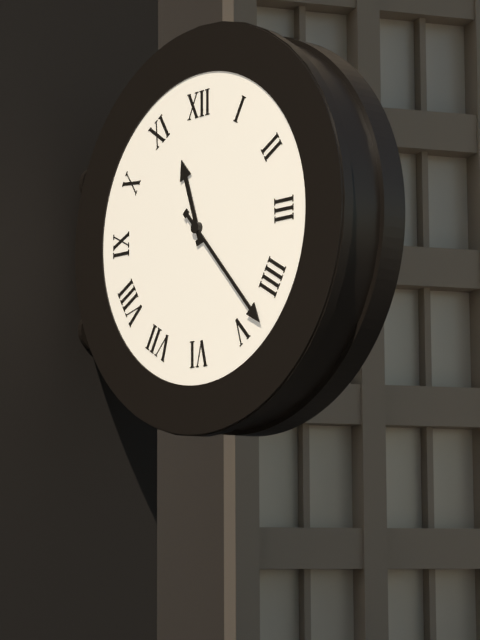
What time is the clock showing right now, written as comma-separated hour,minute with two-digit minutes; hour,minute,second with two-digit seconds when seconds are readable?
11,23
